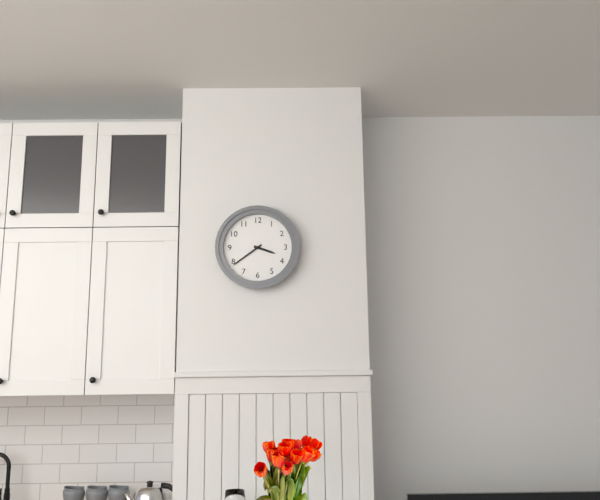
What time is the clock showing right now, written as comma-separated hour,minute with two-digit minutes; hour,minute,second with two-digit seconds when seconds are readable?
3,39
